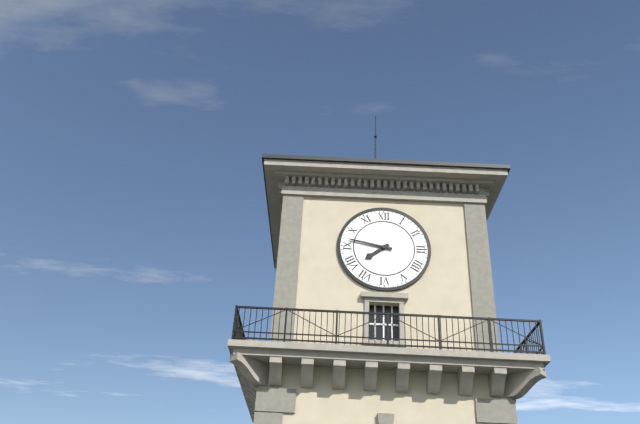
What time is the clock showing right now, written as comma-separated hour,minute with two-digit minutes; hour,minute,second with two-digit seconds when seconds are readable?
7,47
